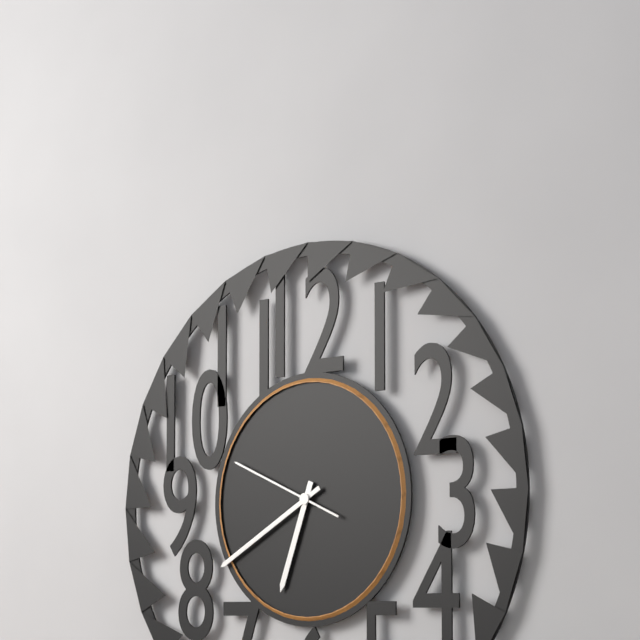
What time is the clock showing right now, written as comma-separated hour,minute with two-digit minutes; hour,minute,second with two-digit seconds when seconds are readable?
6,40,49
